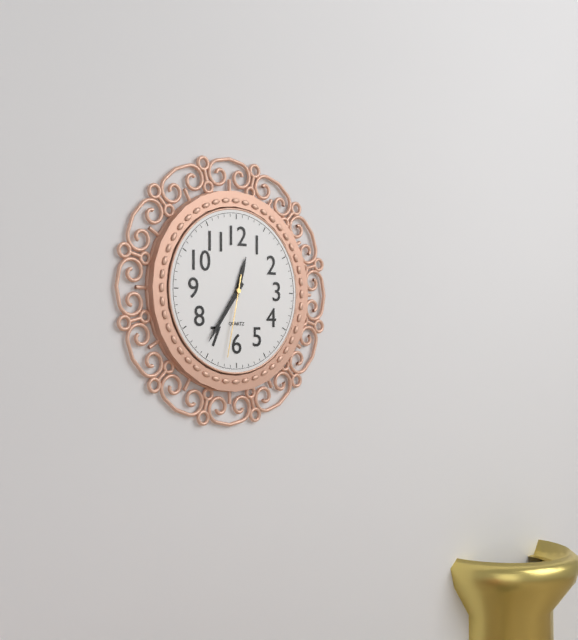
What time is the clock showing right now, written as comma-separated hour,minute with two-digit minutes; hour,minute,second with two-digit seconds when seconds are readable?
12,36,32
